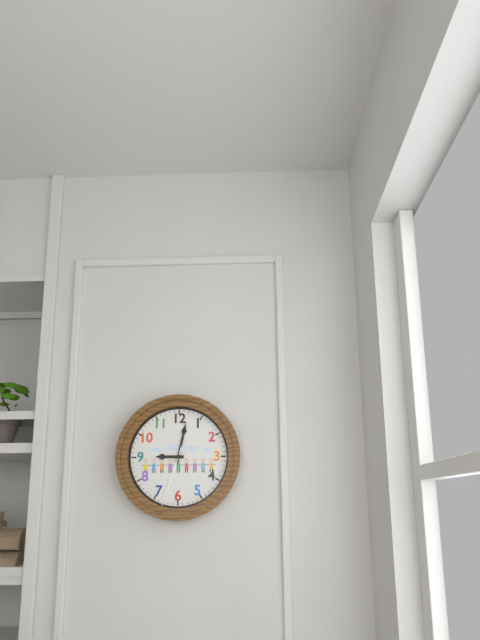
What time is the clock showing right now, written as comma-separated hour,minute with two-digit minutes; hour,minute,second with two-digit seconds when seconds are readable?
9,02,33
